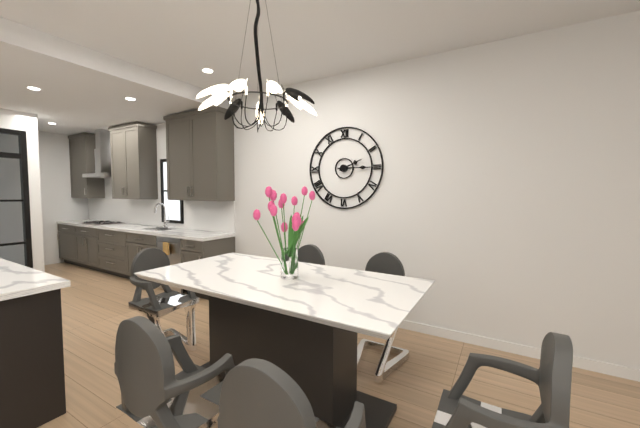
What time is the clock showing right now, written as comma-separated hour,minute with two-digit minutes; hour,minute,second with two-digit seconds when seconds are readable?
2,15
